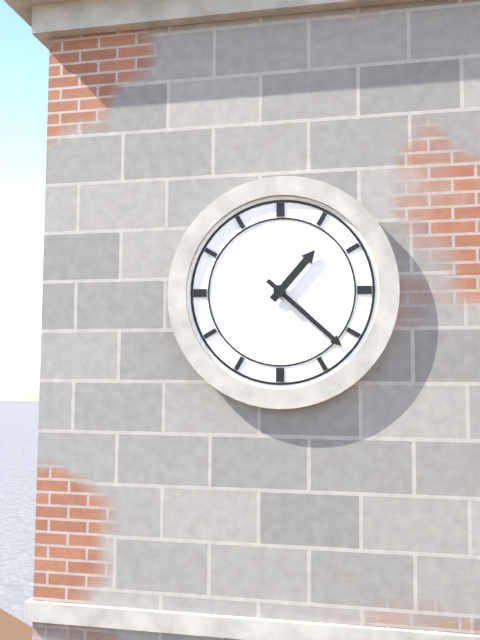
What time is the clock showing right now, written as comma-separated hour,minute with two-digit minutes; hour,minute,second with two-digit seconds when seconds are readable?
1,22
